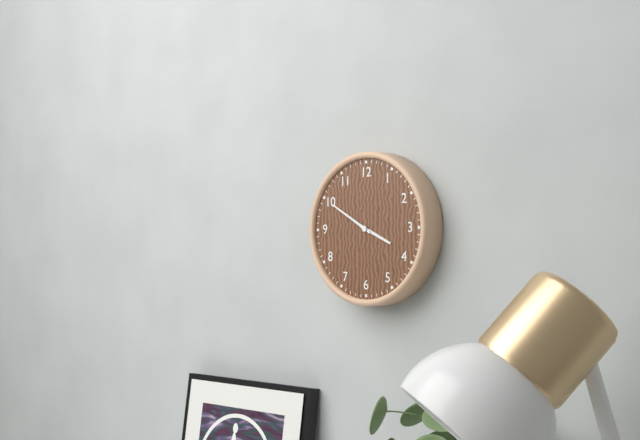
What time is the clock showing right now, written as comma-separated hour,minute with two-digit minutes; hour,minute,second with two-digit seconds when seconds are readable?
3,50
